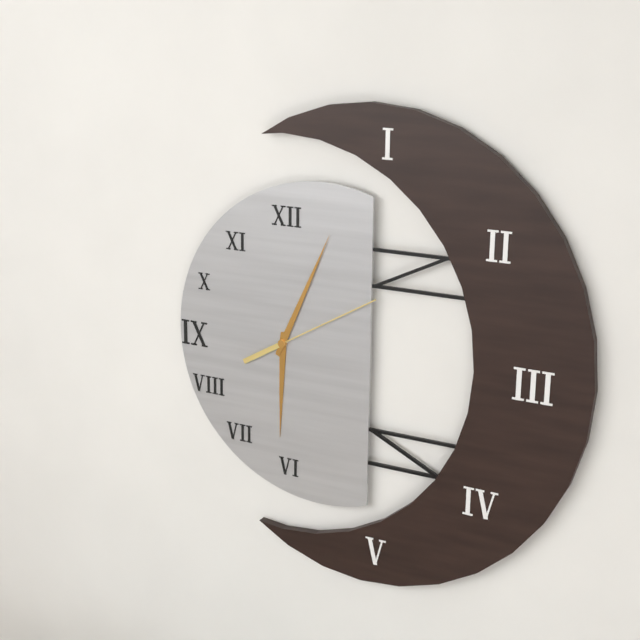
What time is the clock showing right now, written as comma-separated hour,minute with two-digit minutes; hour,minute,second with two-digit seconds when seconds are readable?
6,04,10
